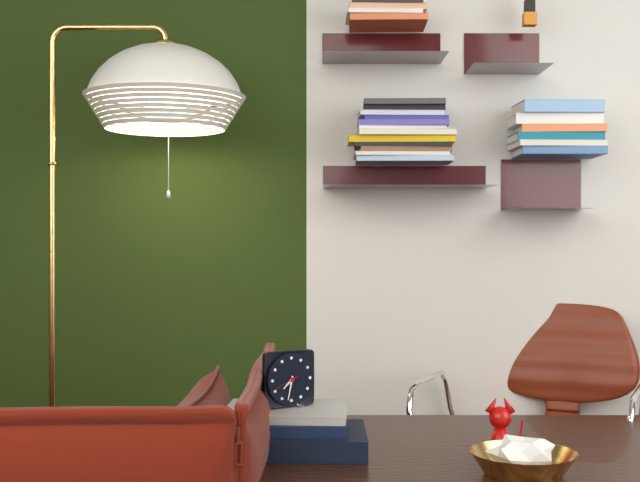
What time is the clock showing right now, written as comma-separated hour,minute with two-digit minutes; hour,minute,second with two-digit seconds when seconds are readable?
7,32
